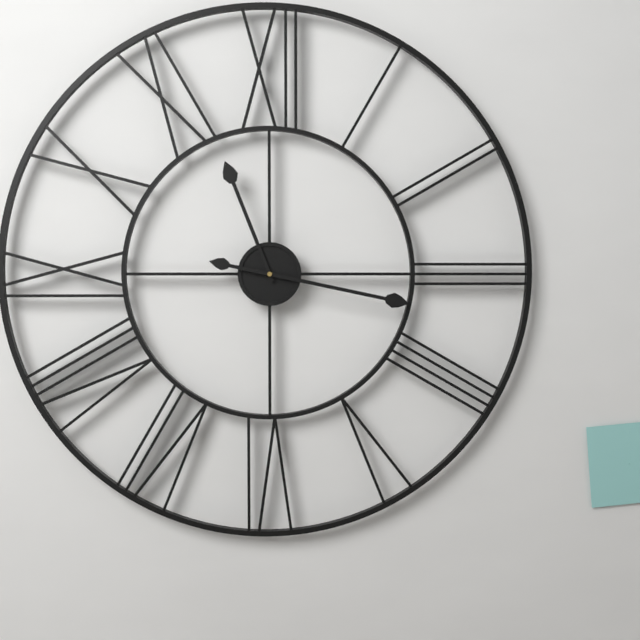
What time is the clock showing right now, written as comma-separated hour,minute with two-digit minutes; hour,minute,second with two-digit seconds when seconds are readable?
11,17
